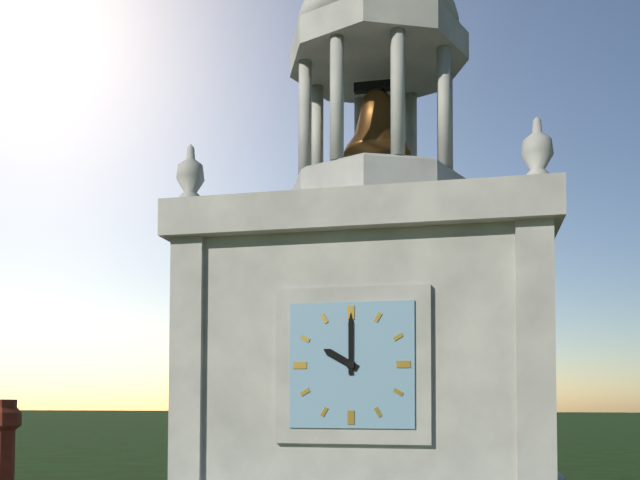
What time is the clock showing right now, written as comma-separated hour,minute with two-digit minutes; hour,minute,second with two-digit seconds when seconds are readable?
10,00
